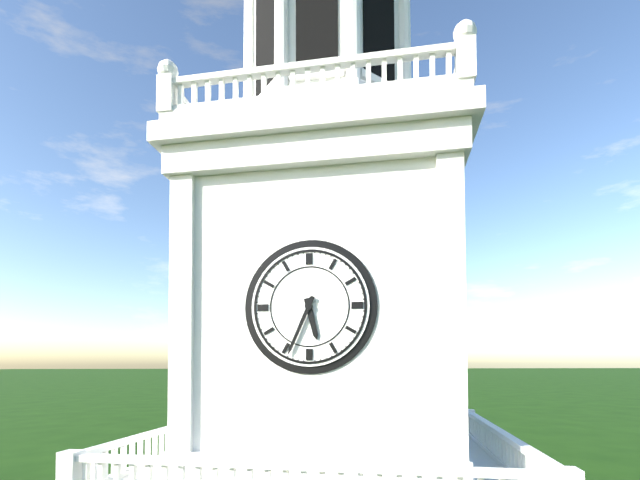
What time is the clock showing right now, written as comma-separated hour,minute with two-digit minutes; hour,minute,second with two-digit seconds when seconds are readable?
5,34
